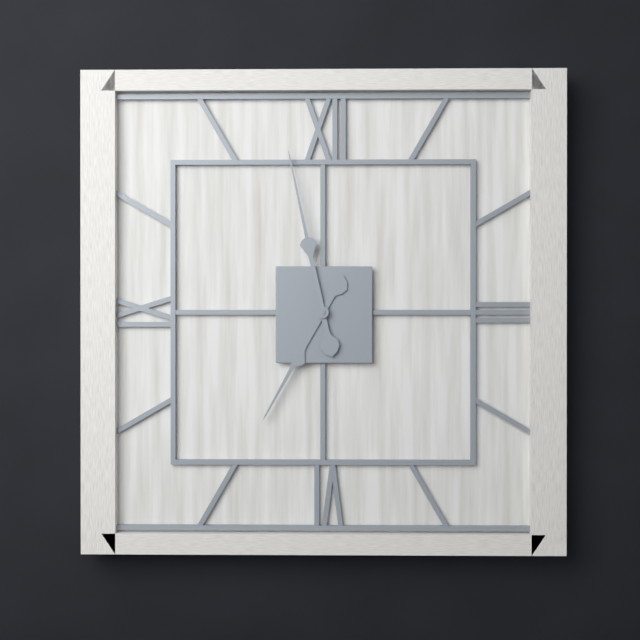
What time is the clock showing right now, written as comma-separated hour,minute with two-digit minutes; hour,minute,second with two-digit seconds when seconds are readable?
6,58
